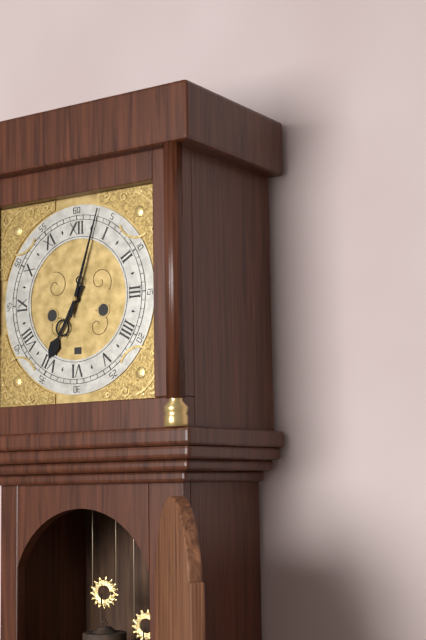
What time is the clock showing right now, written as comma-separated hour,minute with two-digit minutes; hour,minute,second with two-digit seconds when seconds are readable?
7,03
